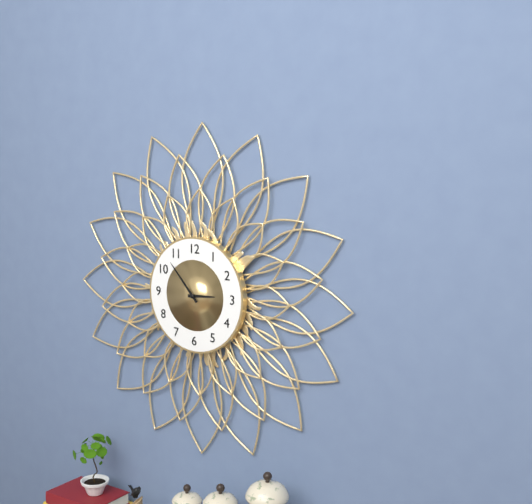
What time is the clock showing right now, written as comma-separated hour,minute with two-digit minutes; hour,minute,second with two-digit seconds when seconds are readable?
2,53
